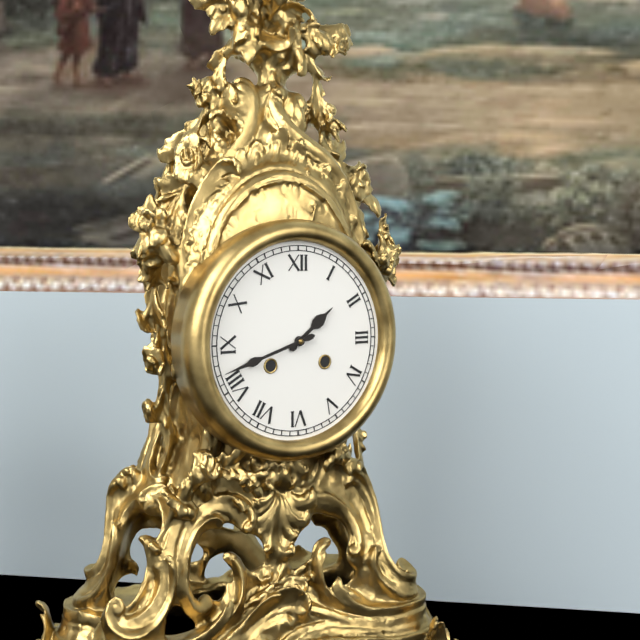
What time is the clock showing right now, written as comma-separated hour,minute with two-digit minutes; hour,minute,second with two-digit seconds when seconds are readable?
1,42
